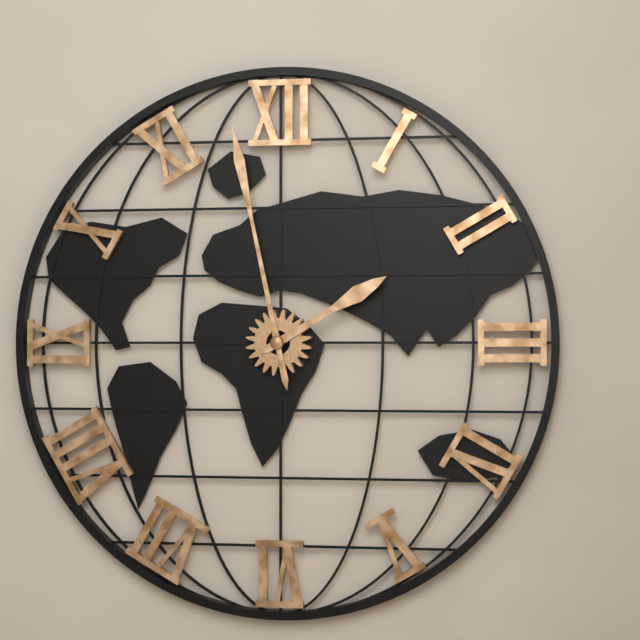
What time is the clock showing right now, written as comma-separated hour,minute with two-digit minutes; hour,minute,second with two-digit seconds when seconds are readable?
1,58
